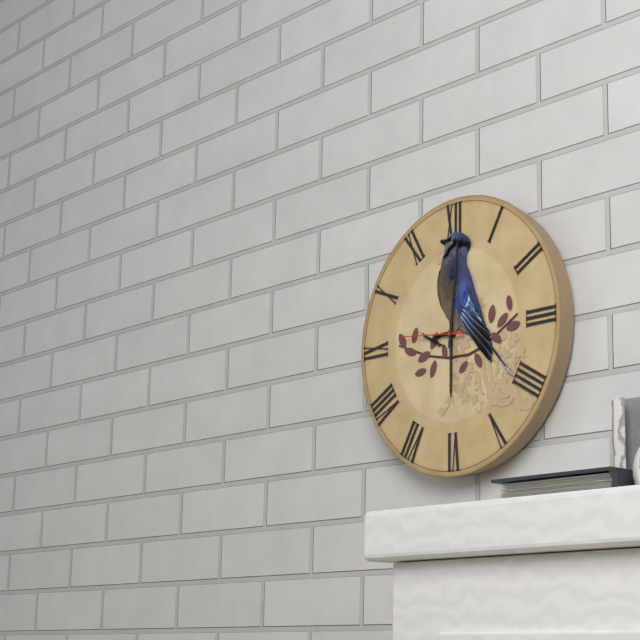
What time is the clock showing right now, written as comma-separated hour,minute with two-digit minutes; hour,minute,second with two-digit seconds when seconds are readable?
6,01,46
